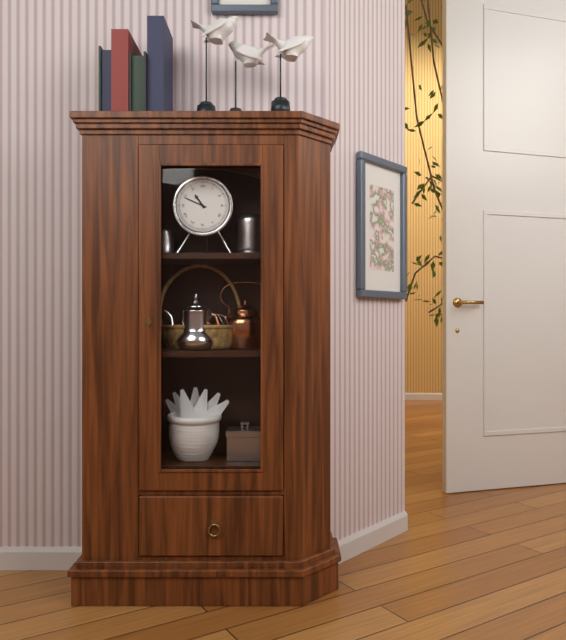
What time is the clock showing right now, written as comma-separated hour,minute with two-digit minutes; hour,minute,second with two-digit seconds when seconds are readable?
10,49
